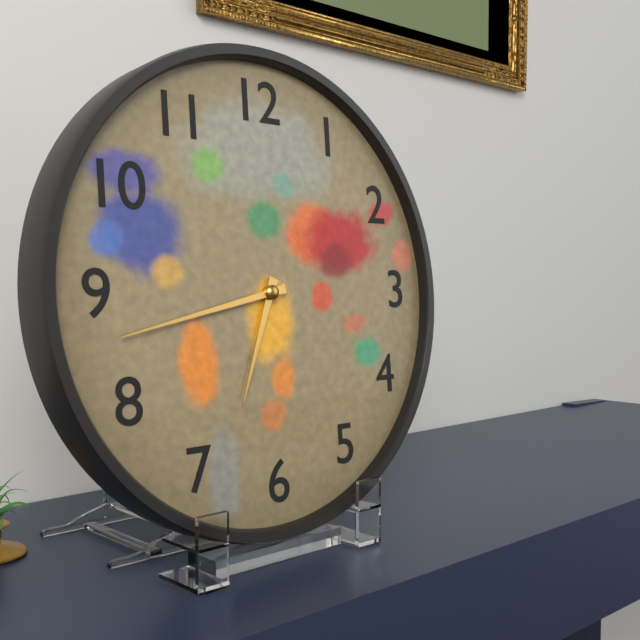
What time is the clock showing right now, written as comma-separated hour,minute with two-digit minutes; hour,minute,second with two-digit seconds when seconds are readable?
6,43
